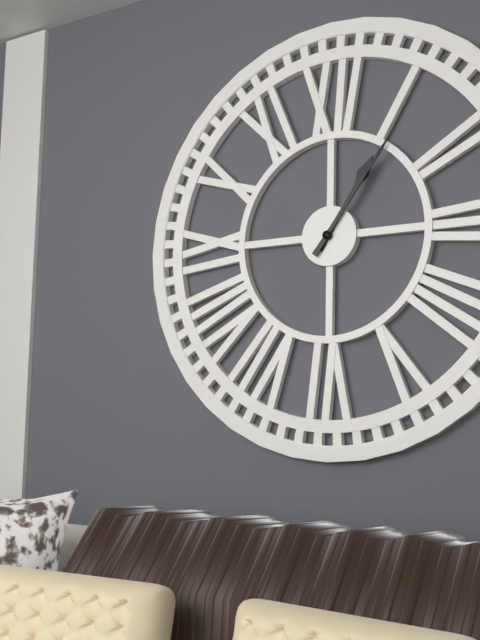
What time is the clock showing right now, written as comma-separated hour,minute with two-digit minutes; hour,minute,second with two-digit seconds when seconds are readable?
1,06
